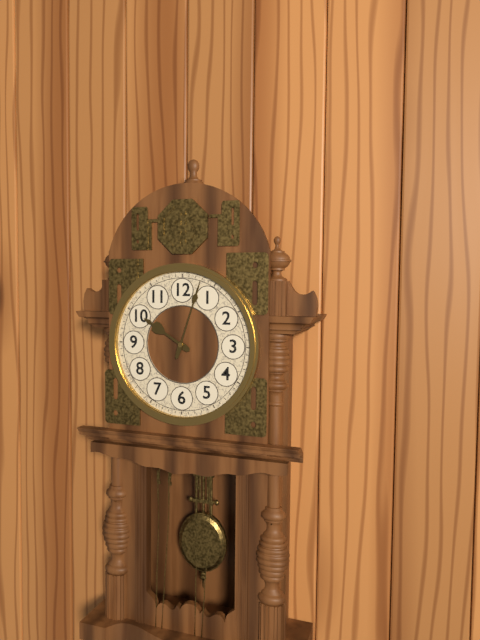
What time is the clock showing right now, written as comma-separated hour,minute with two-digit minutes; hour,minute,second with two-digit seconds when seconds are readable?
10,03
